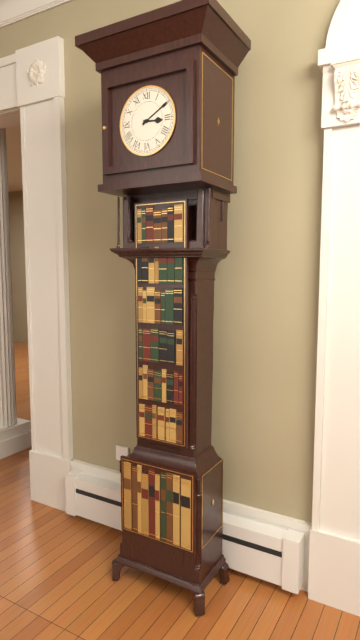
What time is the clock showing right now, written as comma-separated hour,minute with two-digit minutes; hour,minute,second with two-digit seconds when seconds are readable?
3,10
